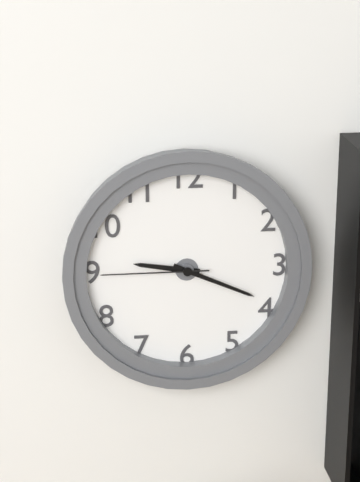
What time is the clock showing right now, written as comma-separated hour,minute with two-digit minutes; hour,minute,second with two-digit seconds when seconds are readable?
9,19,45
